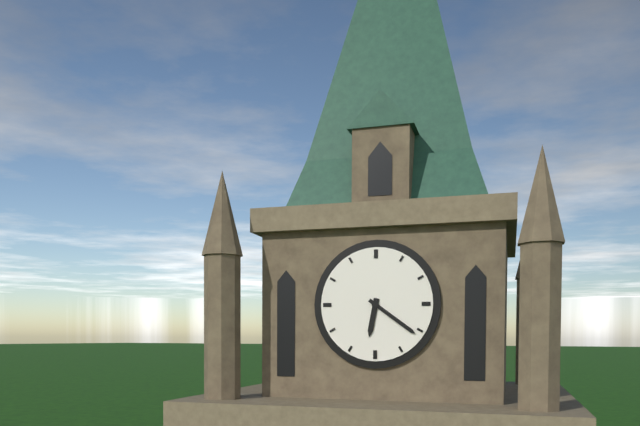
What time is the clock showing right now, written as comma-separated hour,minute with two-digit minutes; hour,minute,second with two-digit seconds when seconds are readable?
6,21
